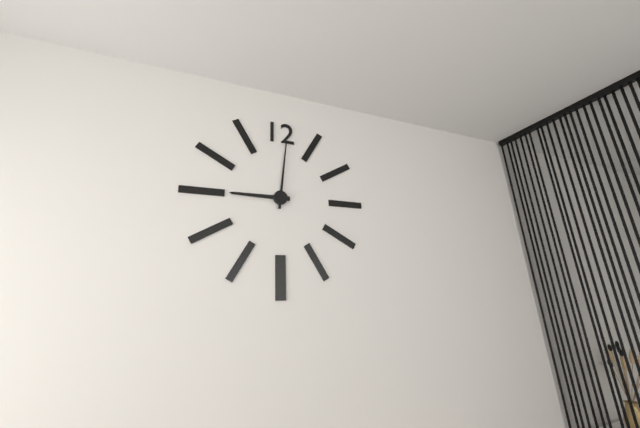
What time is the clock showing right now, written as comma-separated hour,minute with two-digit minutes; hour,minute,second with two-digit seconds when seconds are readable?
9,01
